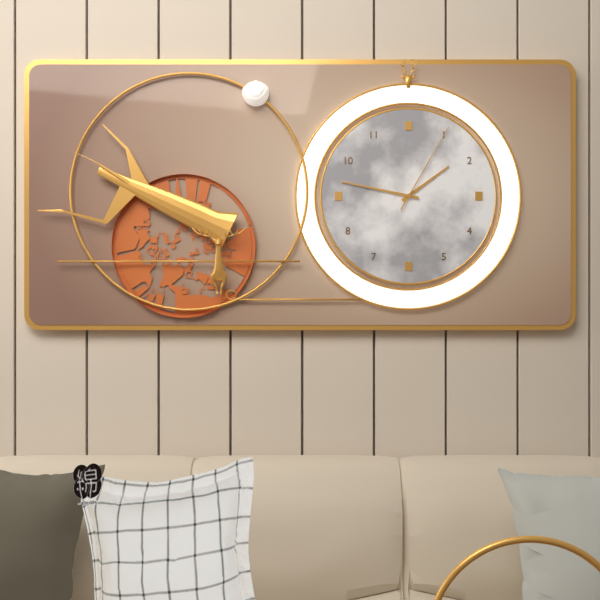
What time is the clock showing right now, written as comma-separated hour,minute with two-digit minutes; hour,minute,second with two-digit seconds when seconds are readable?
1,47,05
